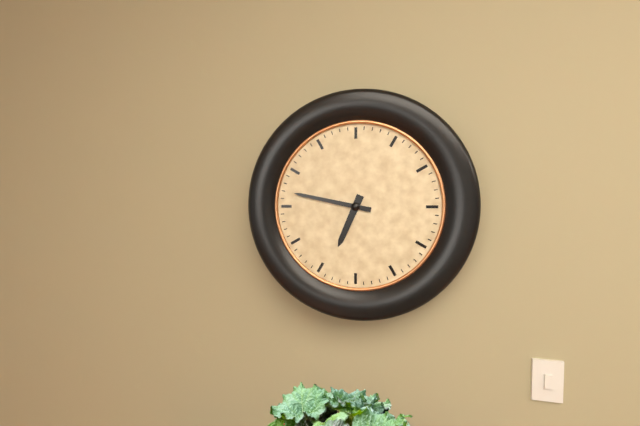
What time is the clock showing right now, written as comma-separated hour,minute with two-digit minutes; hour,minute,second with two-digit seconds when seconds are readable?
6,47
